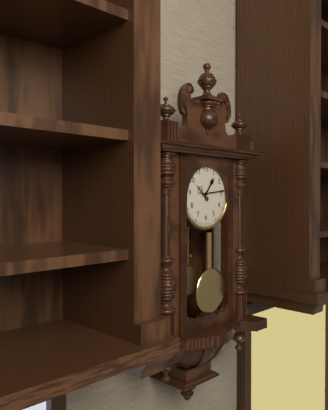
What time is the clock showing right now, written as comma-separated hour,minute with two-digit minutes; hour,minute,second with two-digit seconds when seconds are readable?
1,14
